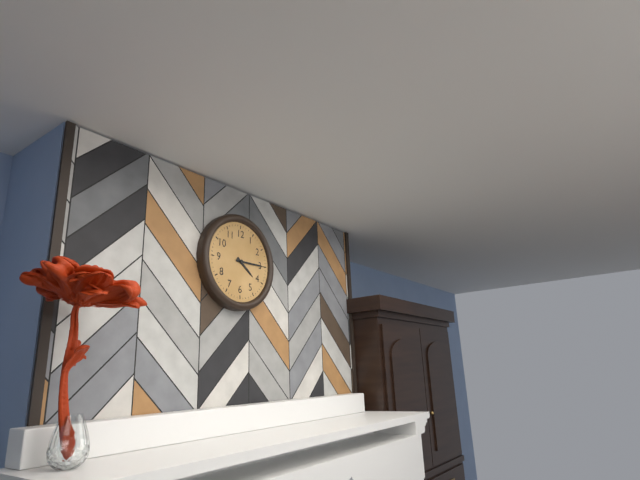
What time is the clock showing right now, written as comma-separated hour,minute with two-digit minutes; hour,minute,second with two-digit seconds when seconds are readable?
4,15
